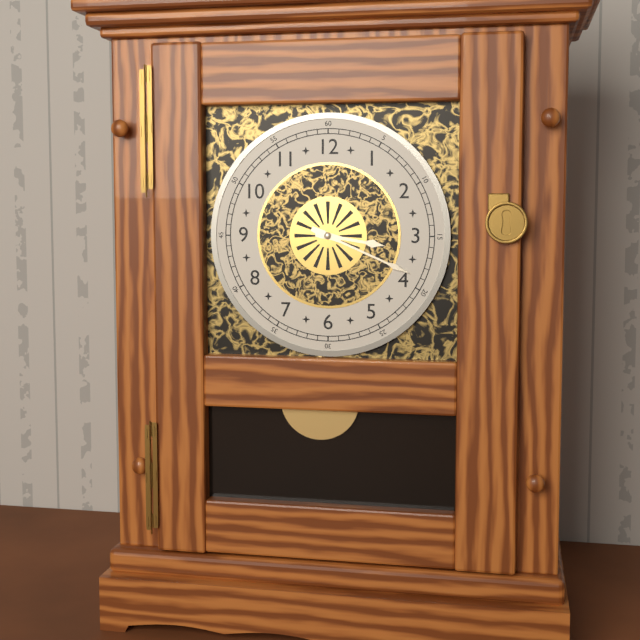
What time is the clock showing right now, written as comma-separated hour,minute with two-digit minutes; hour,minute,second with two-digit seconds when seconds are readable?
3,19
